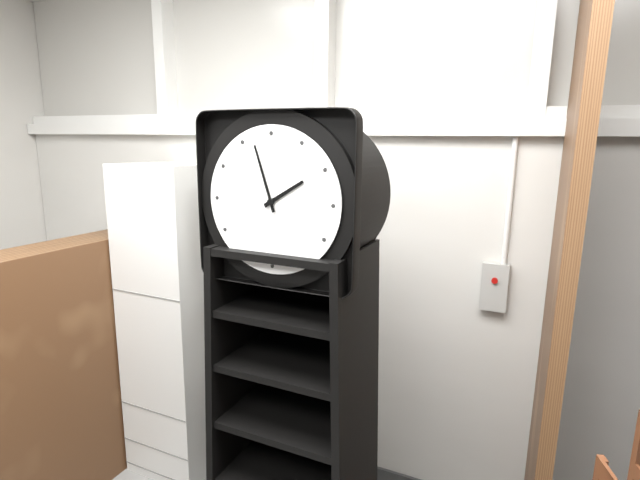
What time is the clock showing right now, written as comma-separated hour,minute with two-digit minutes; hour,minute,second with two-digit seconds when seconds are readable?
1,57
